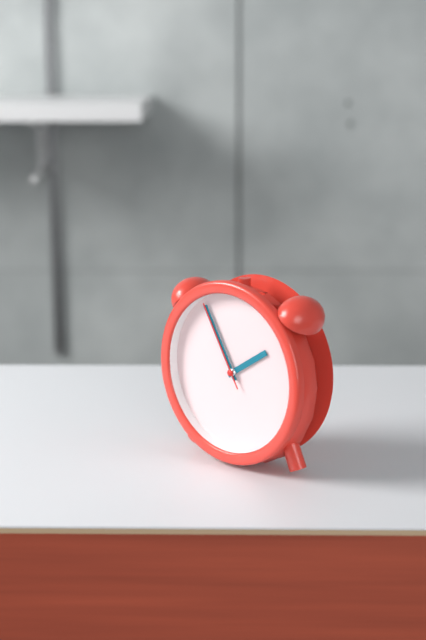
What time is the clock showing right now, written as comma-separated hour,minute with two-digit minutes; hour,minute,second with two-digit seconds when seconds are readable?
1,55,55
